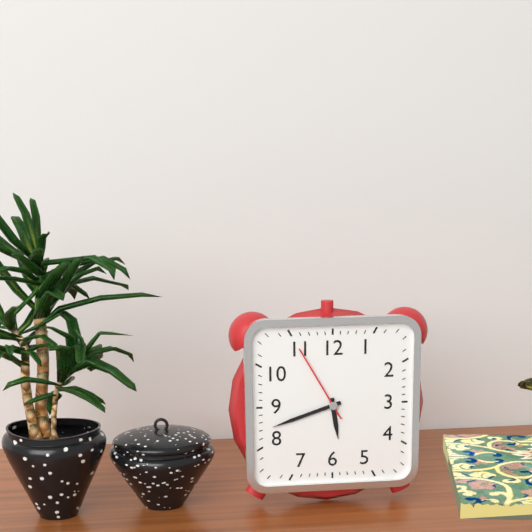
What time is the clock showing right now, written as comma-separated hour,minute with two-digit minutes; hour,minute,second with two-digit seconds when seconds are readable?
5,42,55
